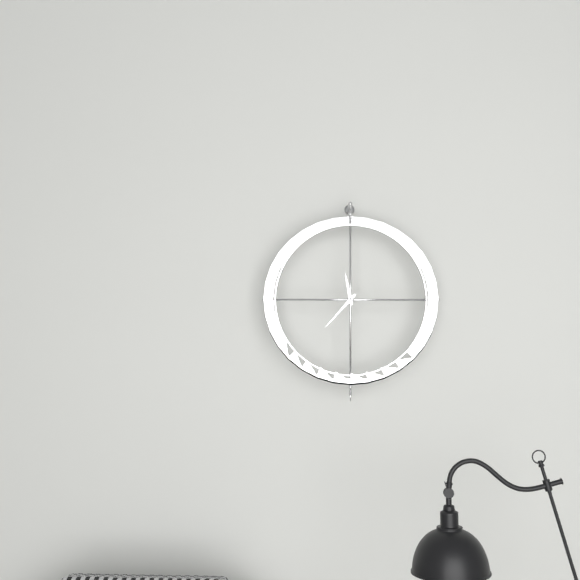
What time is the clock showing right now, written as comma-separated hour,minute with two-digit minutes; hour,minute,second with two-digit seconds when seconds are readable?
11,37
